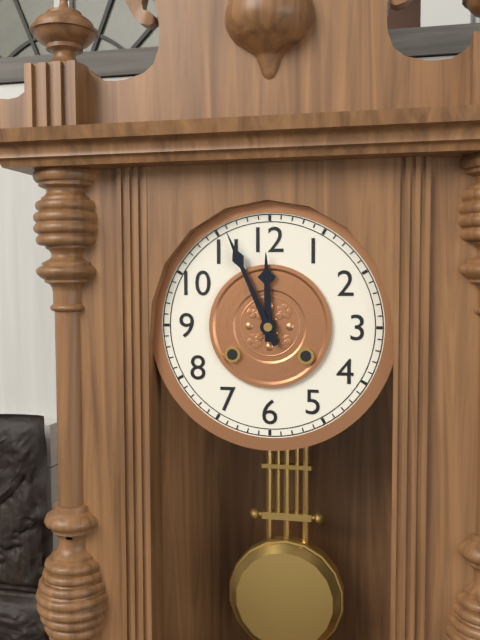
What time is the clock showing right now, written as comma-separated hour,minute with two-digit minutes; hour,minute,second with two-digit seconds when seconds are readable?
11,56
